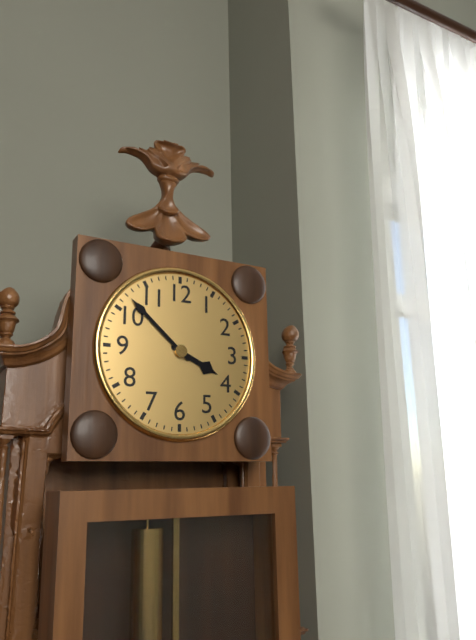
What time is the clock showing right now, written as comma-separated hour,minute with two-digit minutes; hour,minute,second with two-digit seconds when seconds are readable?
3,52
